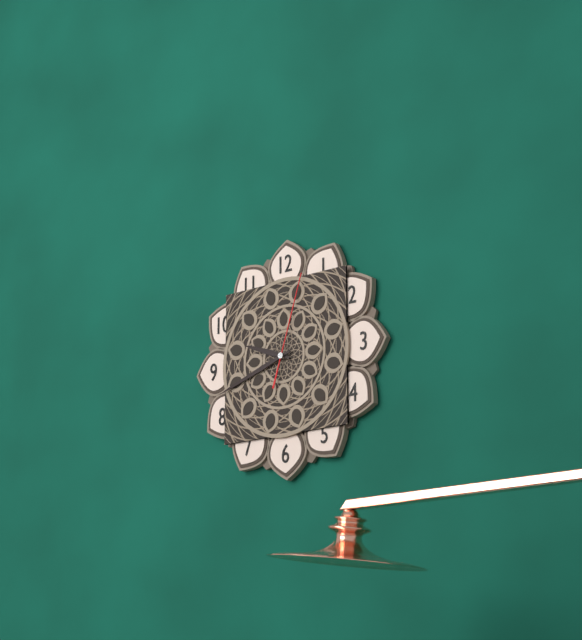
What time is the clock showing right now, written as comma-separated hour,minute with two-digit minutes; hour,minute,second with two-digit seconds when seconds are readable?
9,42,03
